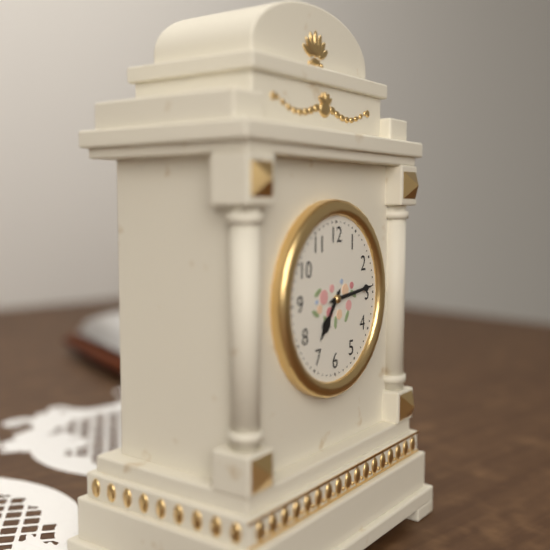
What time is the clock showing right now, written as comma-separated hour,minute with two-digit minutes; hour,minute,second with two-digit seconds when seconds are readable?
7,14
